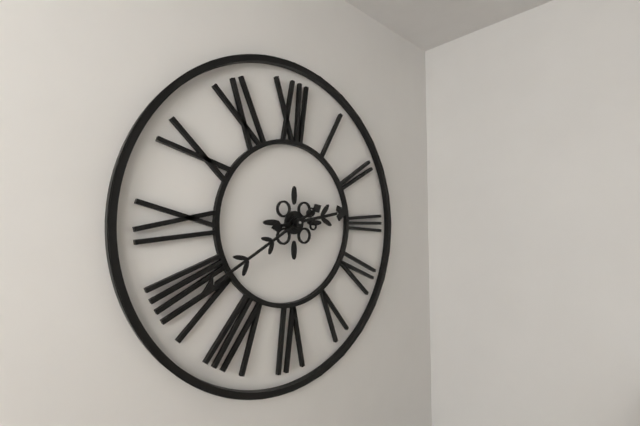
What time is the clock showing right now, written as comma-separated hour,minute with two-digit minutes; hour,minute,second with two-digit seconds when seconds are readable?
2,40
